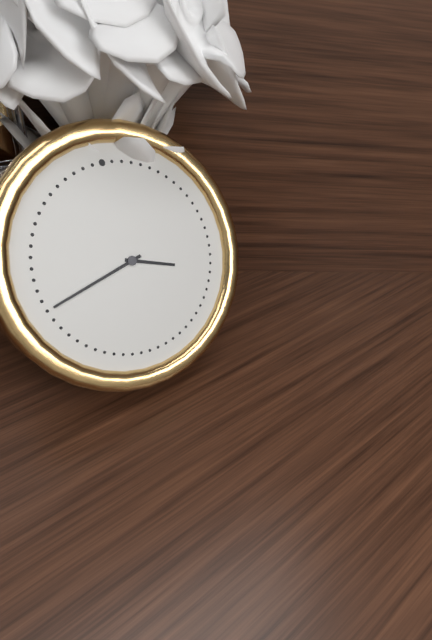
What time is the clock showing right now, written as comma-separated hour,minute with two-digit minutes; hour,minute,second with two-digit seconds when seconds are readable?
3,43
